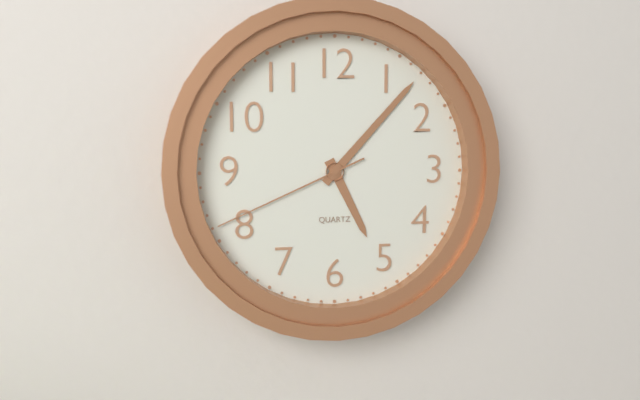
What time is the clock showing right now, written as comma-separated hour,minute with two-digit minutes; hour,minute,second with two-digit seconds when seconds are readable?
5,07,41
